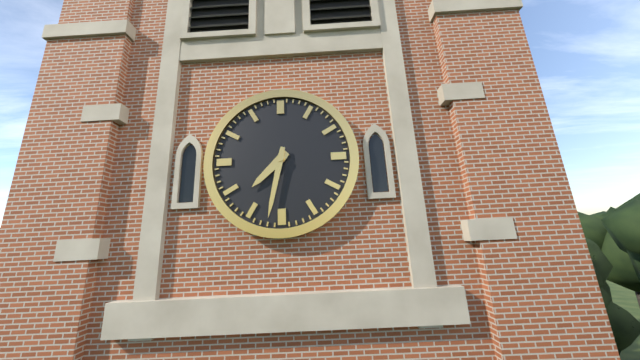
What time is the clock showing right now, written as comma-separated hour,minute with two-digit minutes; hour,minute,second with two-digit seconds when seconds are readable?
7,32
